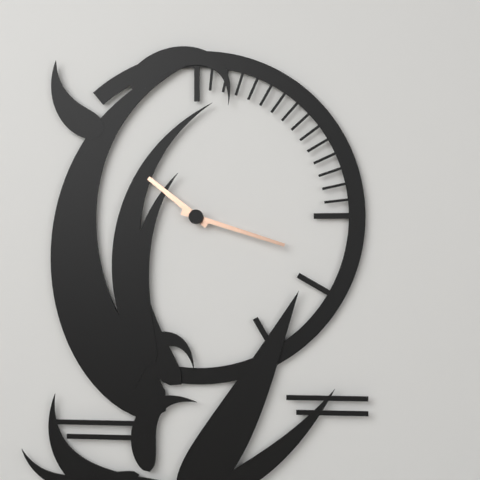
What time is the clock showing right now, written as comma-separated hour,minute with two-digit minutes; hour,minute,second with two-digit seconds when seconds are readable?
10,18
